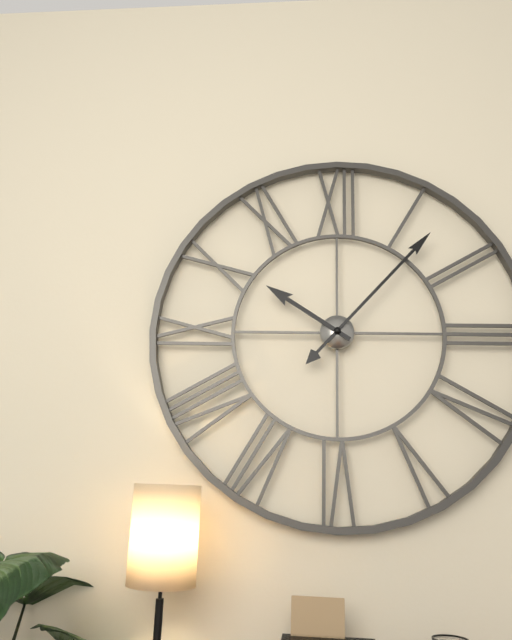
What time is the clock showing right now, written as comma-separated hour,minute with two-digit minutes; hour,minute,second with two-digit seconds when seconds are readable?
10,07
